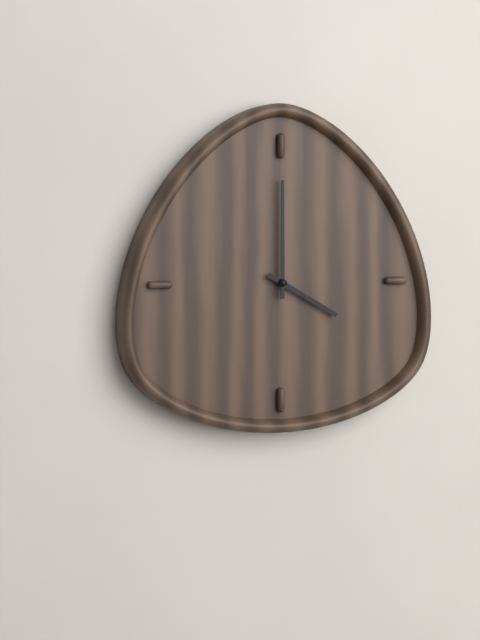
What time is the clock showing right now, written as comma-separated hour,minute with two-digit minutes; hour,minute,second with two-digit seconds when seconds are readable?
4,00
